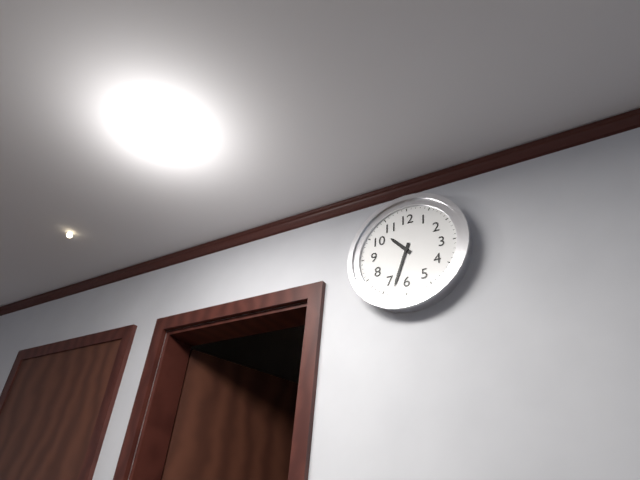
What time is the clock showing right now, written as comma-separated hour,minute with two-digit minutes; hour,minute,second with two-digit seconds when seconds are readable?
10,33
